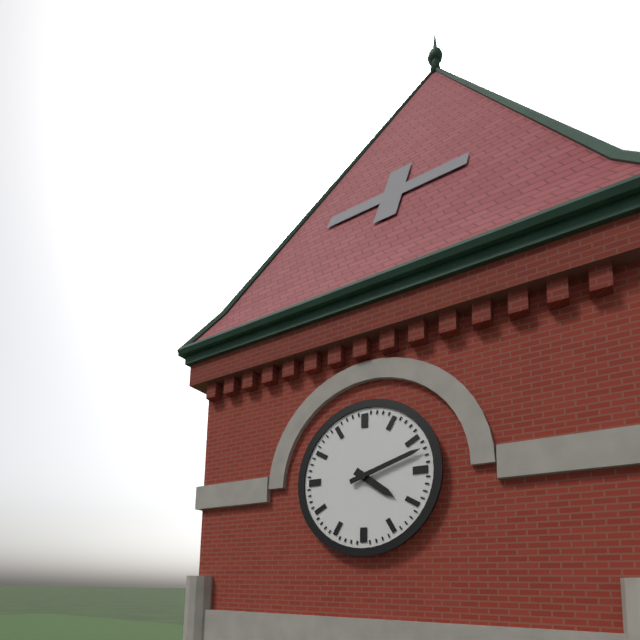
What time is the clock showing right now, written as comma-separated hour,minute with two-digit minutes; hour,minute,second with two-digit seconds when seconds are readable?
4,12
